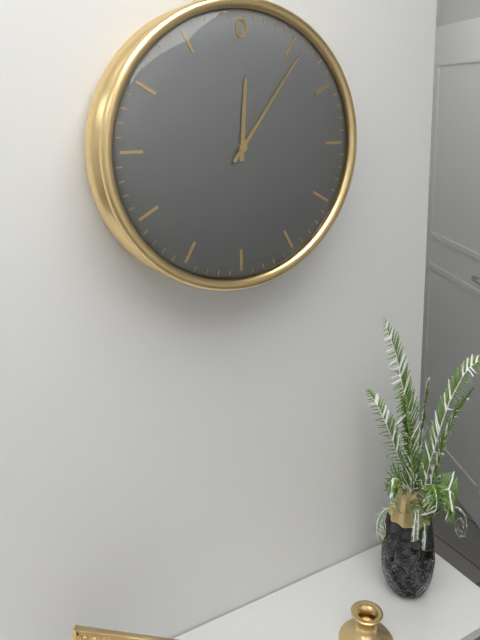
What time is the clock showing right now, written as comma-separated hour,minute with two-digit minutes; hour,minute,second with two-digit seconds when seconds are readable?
12,06
